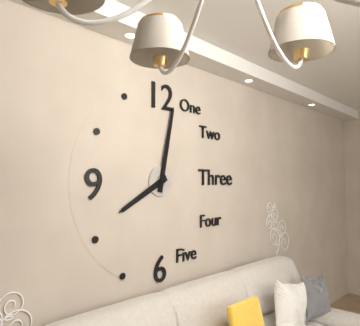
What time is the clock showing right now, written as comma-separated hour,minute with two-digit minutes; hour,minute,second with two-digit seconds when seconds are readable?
8,02
